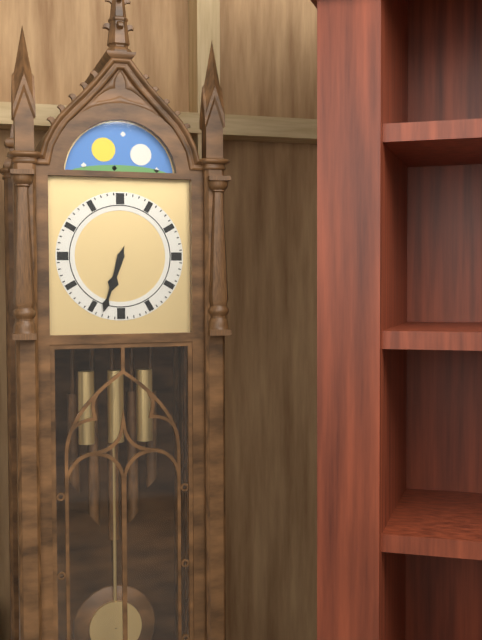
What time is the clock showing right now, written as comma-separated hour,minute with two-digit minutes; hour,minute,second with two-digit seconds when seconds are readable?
6,33
